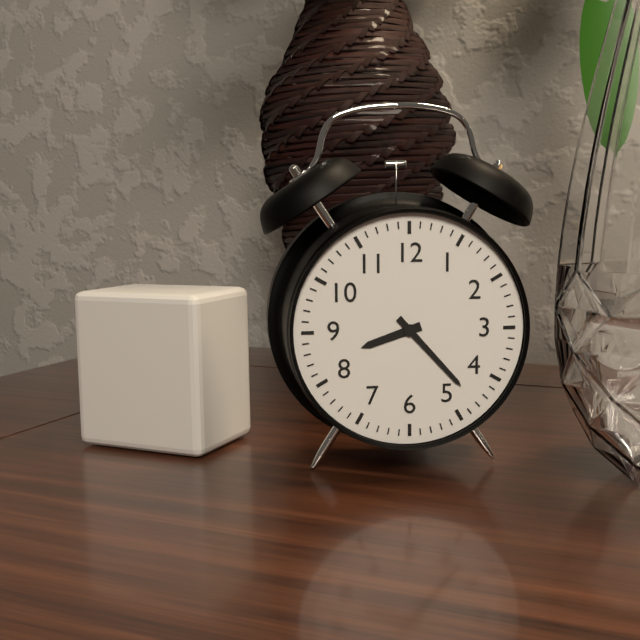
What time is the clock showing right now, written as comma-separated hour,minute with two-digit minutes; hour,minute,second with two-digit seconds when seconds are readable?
8,23
